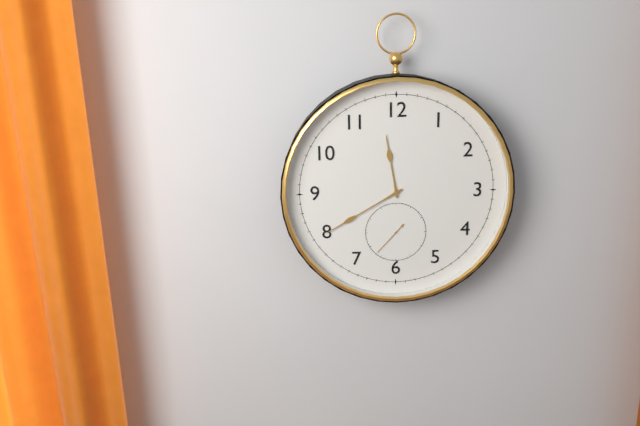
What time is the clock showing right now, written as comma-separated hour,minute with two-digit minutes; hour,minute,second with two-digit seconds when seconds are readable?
11,40
